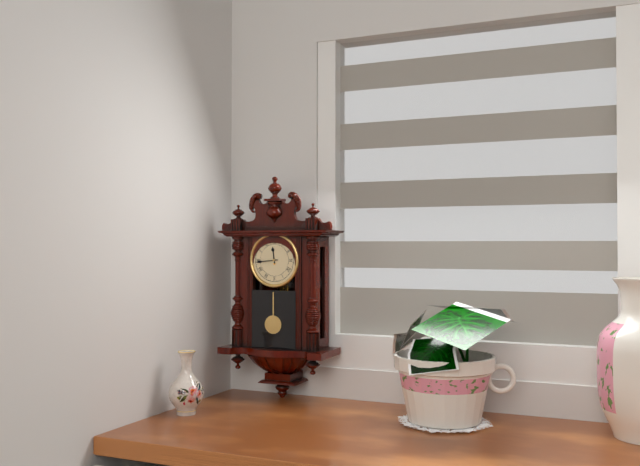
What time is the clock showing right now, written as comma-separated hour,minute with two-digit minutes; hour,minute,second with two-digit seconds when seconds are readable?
11,44
